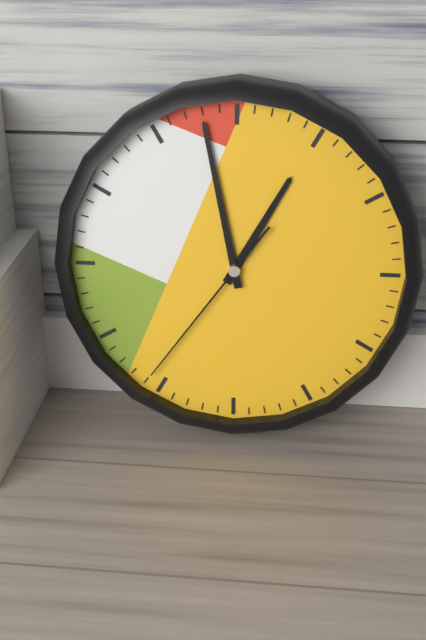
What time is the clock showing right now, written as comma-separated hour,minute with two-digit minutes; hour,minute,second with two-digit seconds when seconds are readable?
12,58,36
